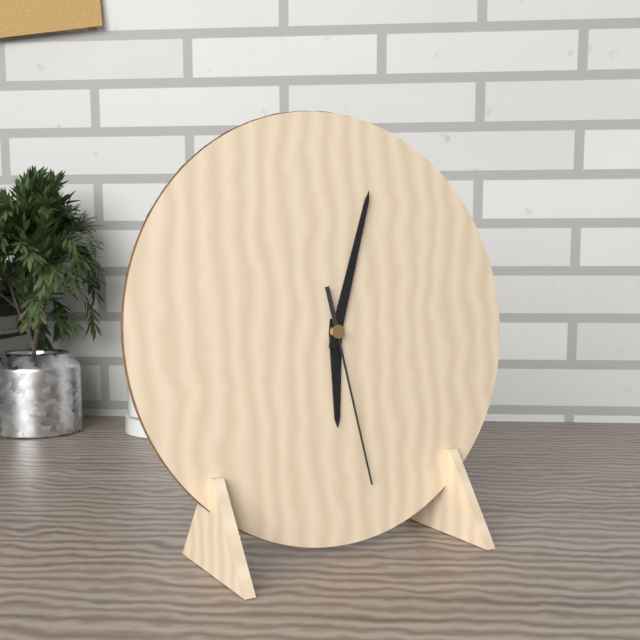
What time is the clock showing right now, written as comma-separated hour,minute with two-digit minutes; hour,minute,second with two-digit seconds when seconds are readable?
6,03,28
